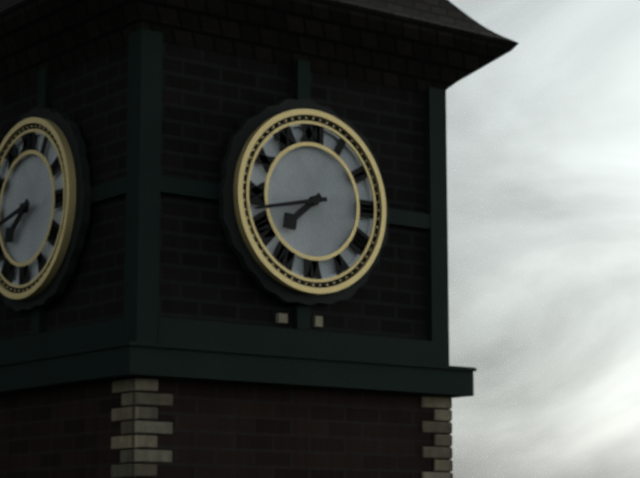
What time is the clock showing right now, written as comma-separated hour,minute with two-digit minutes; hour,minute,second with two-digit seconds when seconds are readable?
7,43
